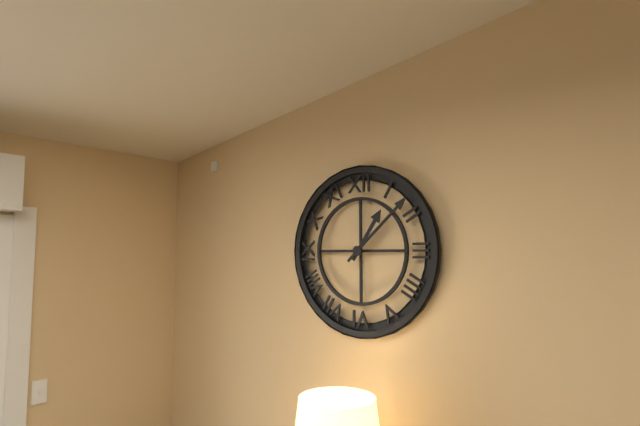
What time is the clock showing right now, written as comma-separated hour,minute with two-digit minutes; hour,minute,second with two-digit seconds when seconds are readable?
1,08
